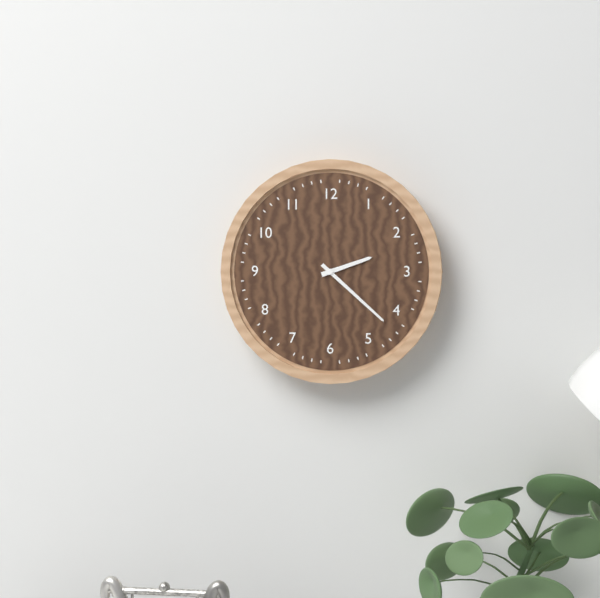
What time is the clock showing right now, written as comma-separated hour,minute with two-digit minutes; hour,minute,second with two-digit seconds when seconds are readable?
2,22
